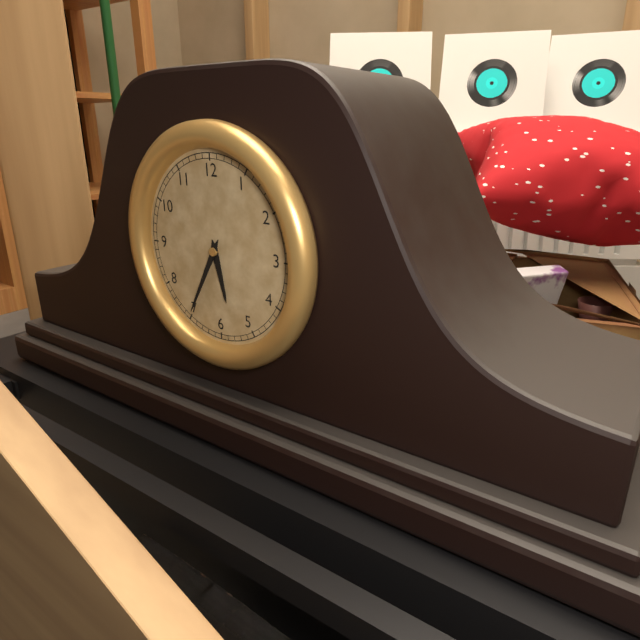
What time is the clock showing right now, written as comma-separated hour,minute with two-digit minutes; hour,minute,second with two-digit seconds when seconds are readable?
5,35
